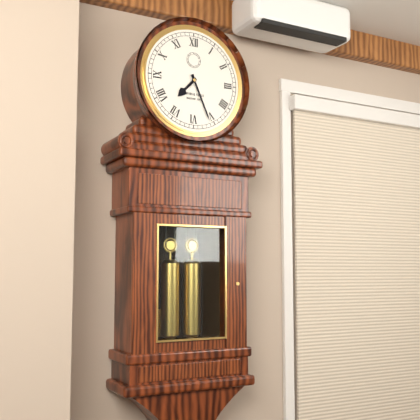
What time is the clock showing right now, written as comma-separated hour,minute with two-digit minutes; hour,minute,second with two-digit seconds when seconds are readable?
7,26
